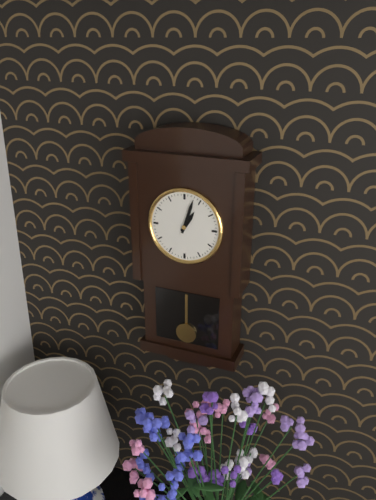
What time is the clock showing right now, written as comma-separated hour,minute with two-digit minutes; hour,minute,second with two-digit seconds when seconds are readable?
1,03
